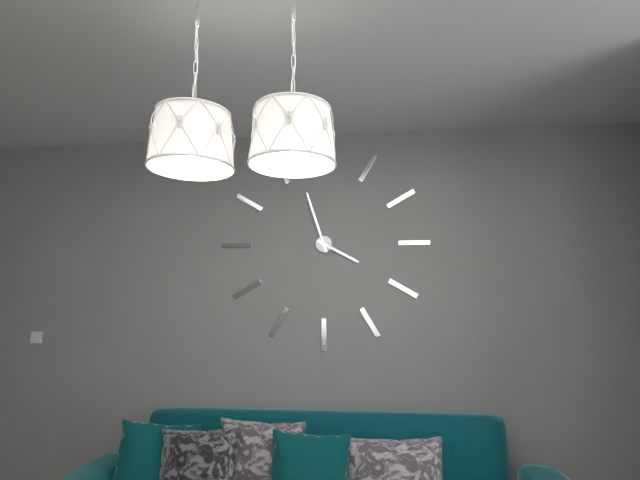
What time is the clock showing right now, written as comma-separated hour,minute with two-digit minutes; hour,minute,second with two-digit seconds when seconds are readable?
3,57
